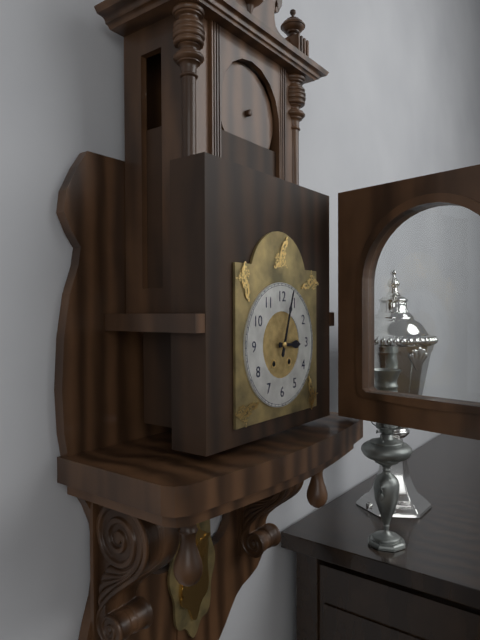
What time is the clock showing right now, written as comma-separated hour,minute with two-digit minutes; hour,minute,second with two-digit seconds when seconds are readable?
3,03
